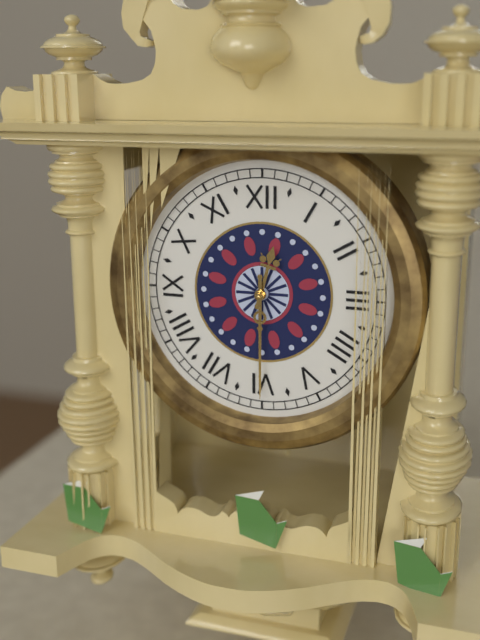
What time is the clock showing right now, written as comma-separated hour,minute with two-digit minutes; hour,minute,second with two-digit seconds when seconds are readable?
12,30
